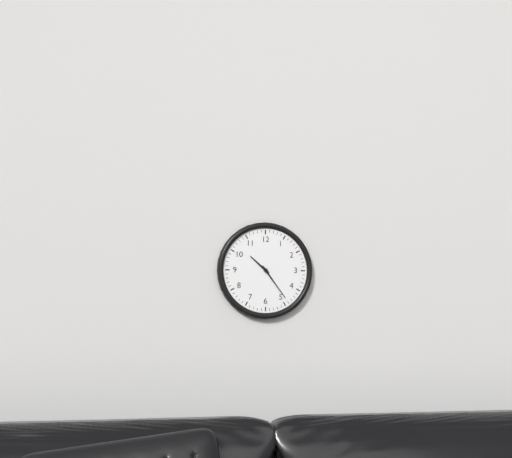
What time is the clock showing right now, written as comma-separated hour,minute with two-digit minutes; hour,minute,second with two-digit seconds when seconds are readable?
10,24
